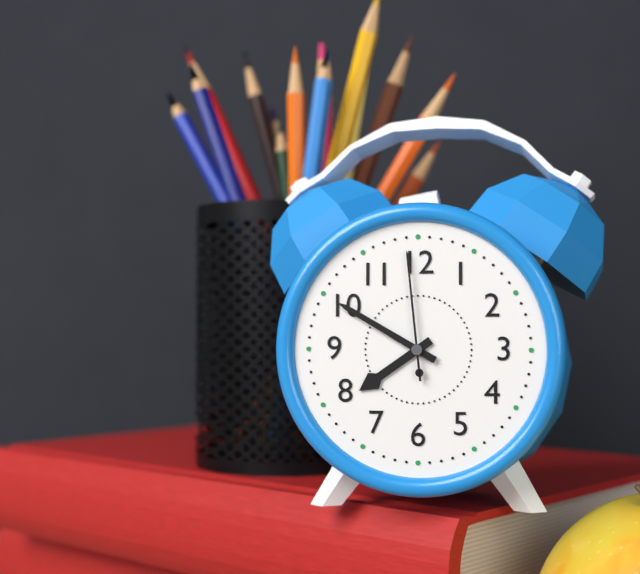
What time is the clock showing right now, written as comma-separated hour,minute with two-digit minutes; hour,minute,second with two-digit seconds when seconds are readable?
7,50,59
